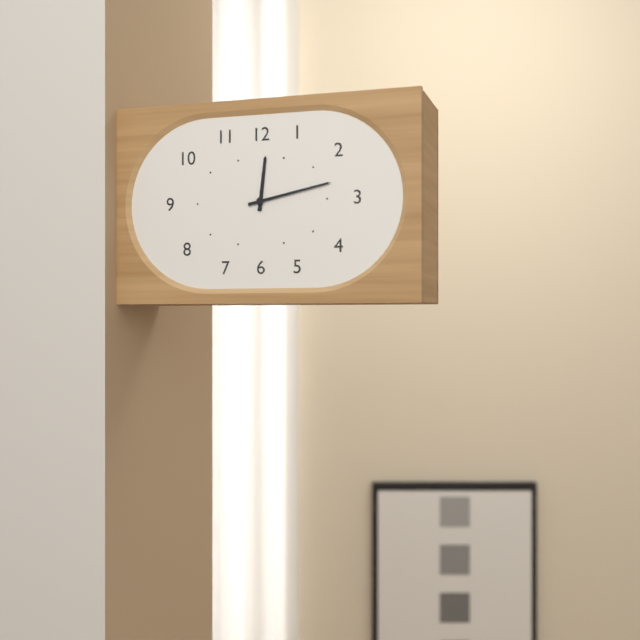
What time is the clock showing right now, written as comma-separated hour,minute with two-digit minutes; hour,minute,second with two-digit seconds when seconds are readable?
12,13
